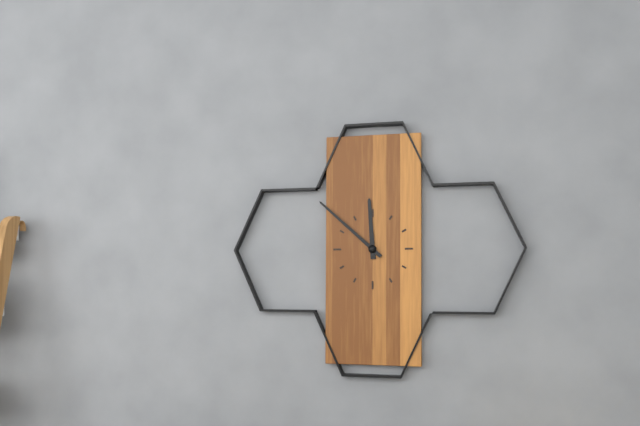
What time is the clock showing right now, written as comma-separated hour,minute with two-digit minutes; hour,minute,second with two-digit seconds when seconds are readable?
11,52
